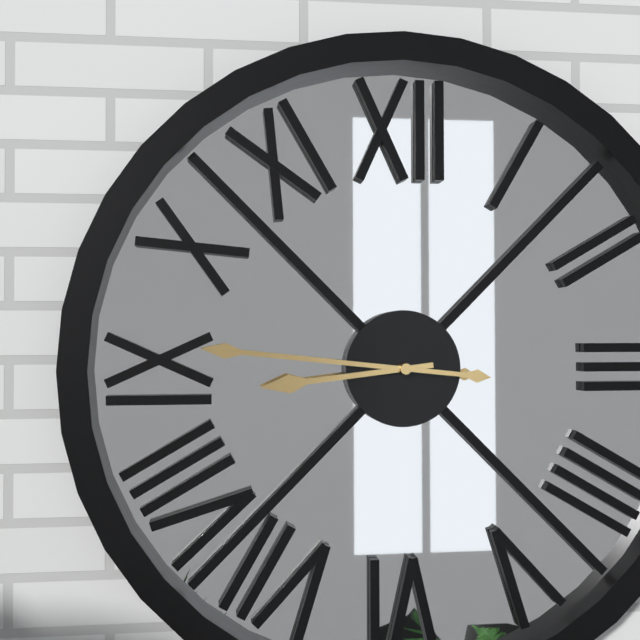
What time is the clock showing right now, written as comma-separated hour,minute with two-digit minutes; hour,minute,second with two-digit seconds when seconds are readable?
8,46
